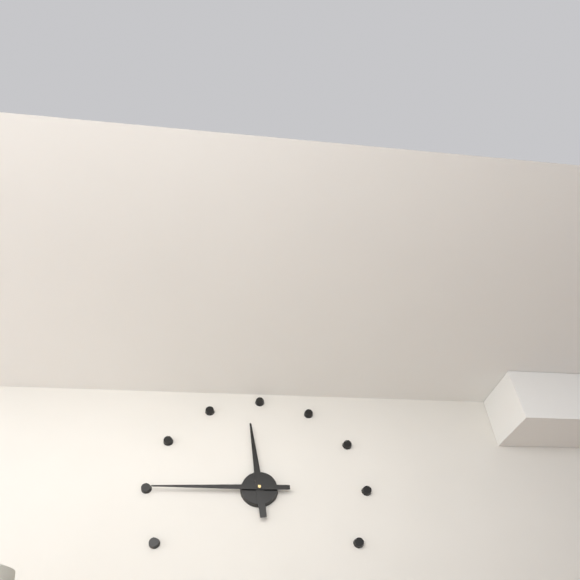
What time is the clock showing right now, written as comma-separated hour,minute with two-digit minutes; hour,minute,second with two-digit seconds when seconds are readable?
11,45
